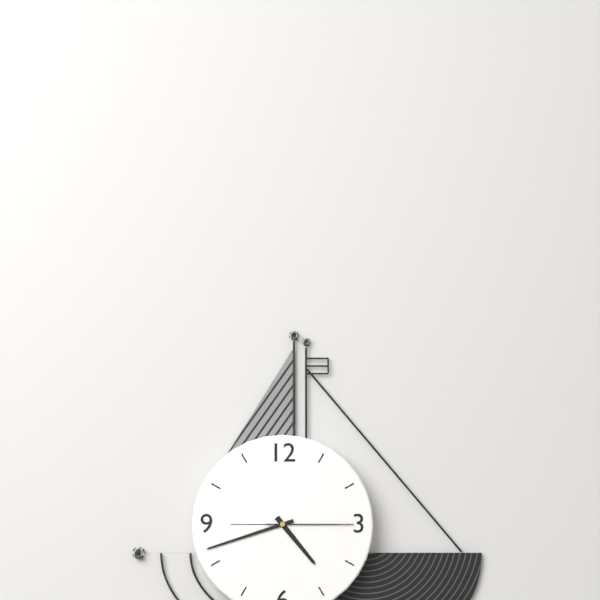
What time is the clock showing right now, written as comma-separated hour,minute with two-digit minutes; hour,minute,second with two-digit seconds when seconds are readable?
4,42,15
